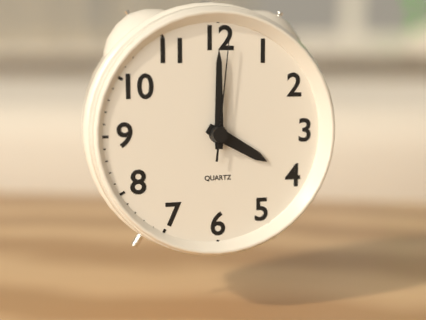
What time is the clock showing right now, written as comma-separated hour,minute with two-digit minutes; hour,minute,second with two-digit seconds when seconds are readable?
4,00,01
